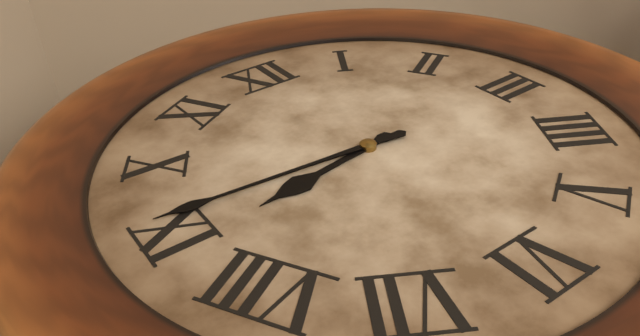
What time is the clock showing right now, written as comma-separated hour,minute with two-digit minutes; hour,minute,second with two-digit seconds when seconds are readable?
8,46
